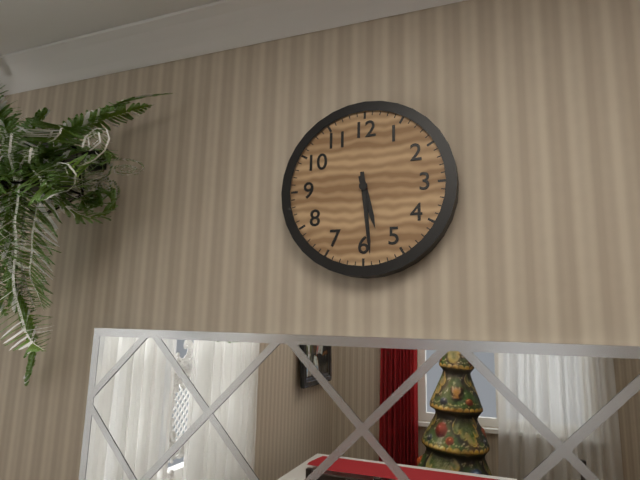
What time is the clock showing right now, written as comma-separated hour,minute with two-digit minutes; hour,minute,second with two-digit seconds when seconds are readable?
5,29
